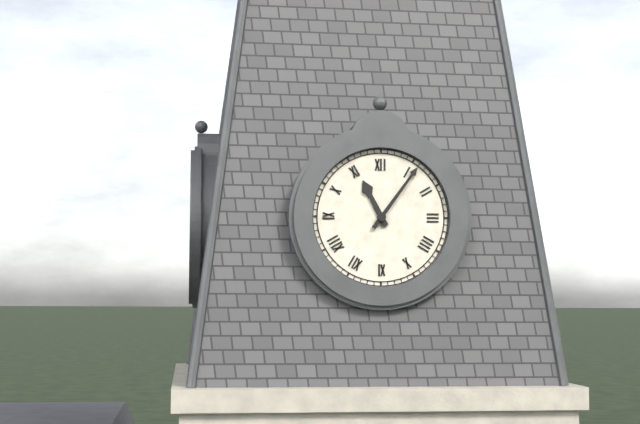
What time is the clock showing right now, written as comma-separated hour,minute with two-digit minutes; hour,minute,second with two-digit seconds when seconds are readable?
11,06
